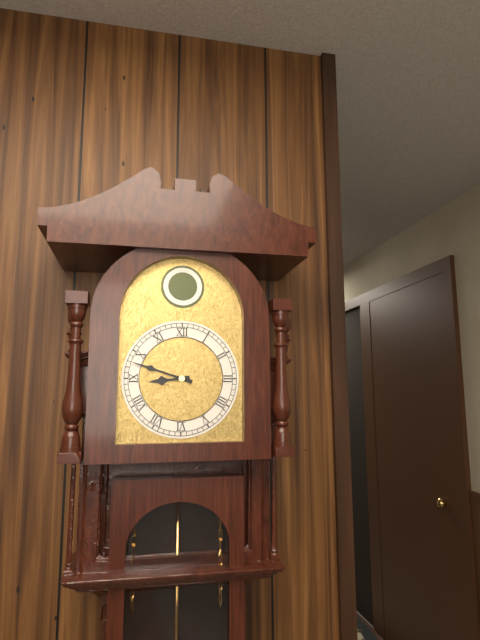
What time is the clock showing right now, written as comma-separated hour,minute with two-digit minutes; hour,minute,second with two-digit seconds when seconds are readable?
8,48
